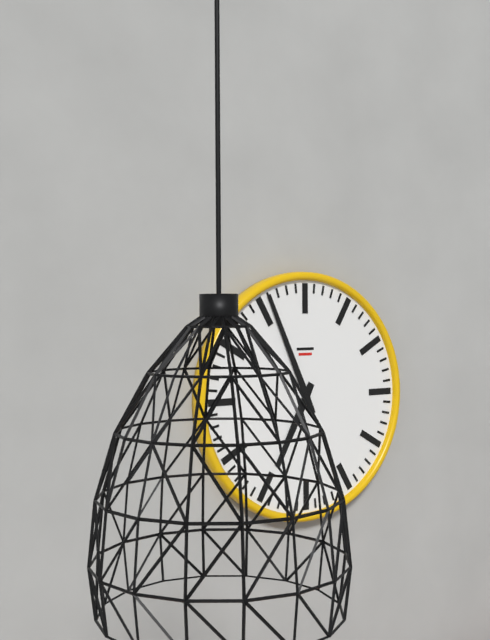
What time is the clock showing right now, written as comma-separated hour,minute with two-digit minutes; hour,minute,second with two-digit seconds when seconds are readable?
6,56
